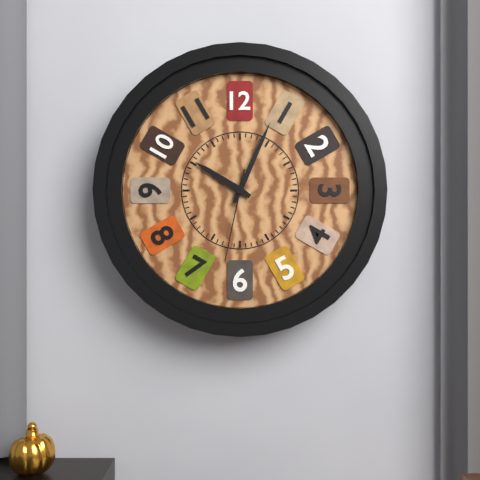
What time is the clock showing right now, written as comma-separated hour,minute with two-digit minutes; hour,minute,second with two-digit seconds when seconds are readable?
10,04,32
